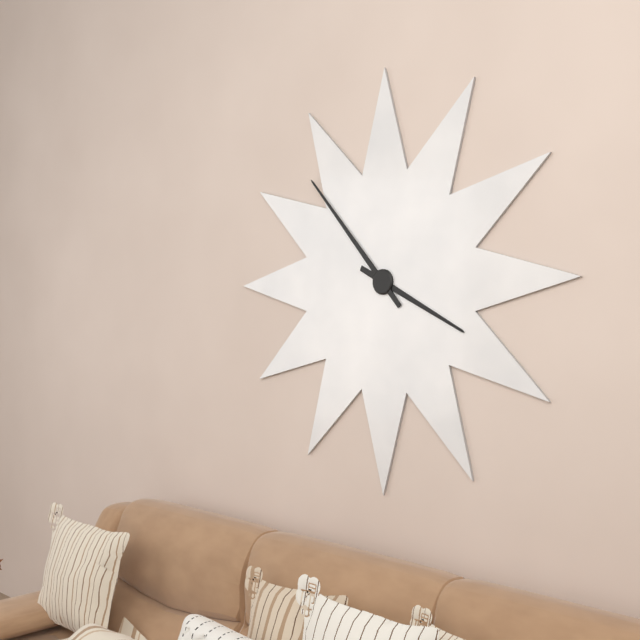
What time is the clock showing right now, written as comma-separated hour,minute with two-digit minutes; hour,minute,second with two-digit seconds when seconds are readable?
3,53
